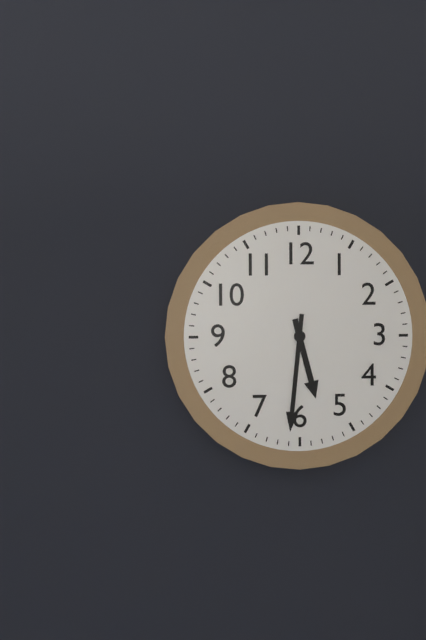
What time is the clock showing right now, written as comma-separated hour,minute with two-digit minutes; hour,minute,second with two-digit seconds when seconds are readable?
5,31
